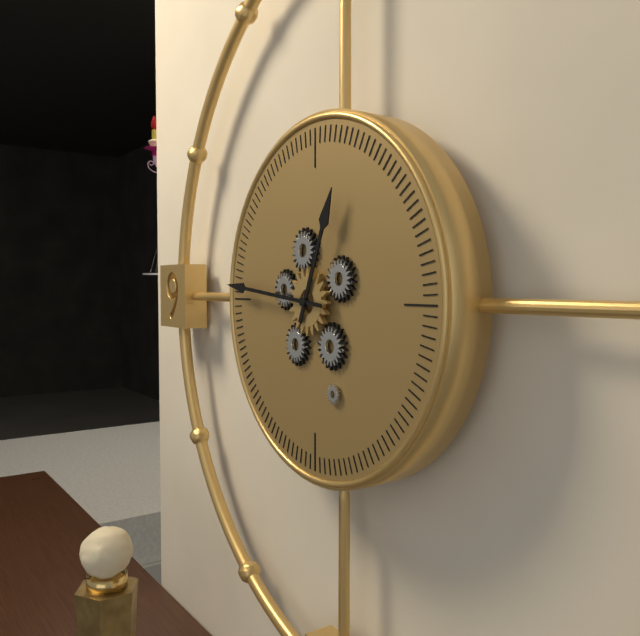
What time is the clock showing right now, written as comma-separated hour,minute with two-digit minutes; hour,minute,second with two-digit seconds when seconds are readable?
12,46
